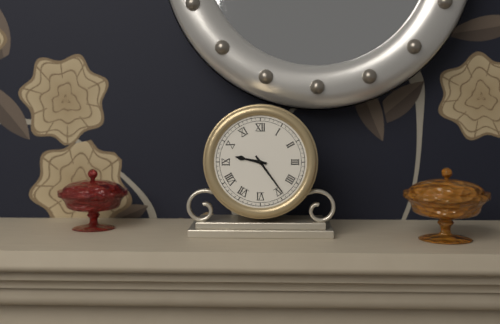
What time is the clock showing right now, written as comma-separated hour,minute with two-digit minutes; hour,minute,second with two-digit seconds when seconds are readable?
9,24
